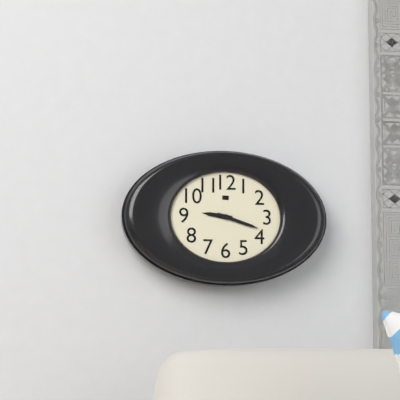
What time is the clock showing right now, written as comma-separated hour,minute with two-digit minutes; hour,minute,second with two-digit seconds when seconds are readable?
9,18
